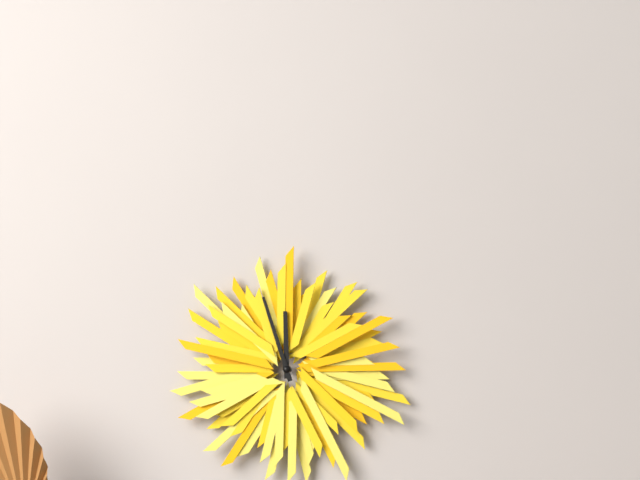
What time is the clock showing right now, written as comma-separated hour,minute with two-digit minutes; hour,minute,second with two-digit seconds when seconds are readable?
11,57
